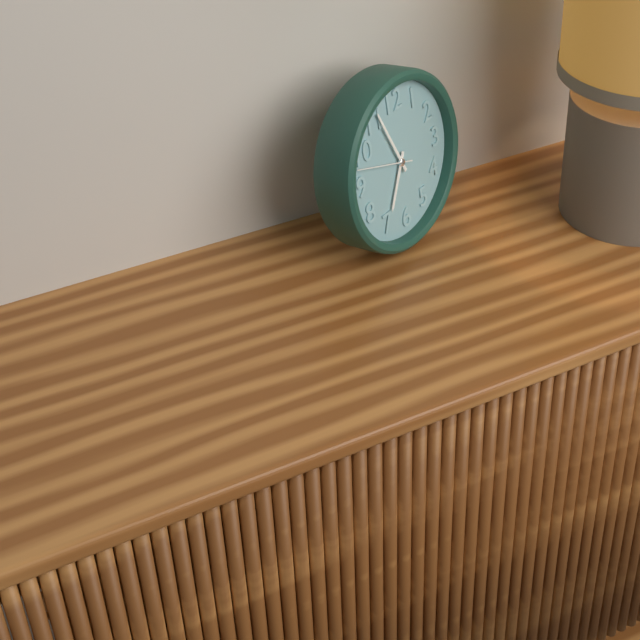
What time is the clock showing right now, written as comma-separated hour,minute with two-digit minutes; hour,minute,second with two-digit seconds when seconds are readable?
6,56,48
